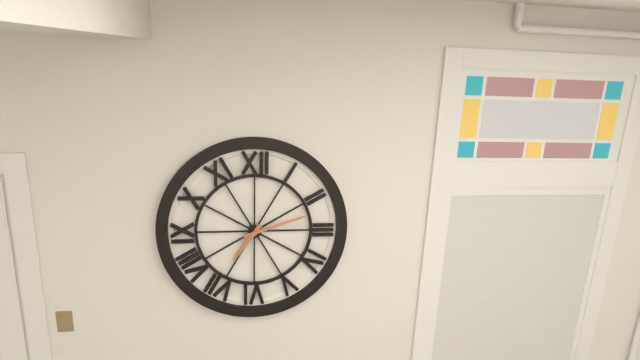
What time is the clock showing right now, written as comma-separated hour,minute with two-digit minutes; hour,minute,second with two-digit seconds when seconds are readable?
7,12
